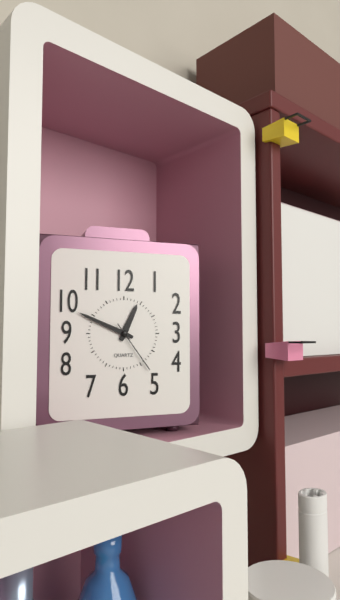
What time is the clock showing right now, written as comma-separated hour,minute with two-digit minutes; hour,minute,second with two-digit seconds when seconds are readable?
12,49,24
